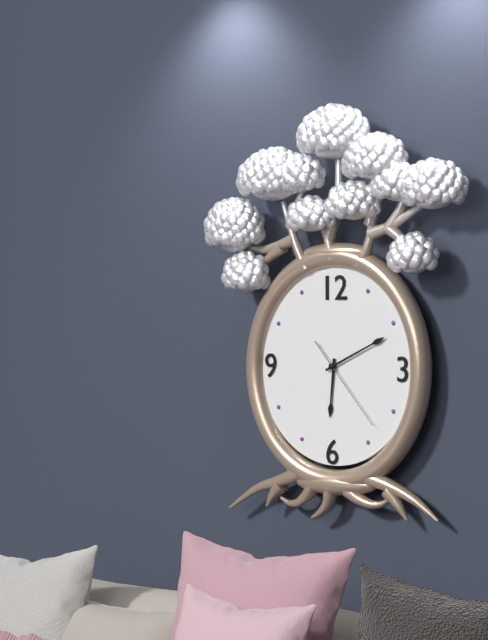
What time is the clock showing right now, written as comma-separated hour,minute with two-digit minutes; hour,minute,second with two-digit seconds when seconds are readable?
6,11,23
